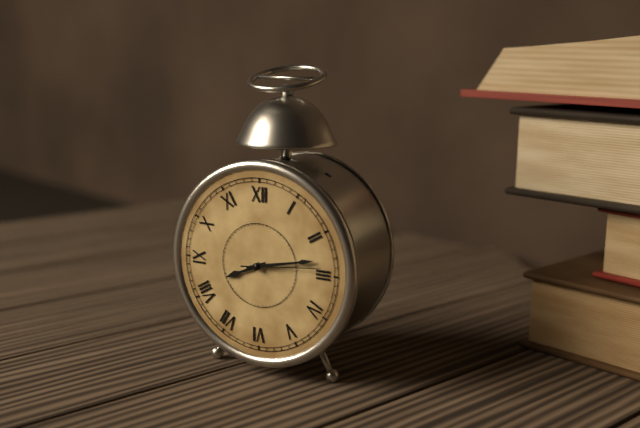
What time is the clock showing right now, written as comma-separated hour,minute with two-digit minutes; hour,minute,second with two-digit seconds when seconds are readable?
8,13,14
